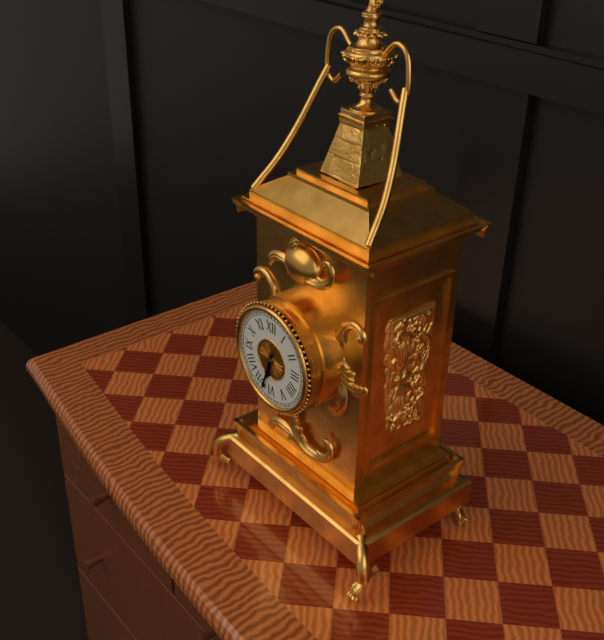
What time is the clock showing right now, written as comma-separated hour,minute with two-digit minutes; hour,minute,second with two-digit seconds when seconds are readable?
6,33
